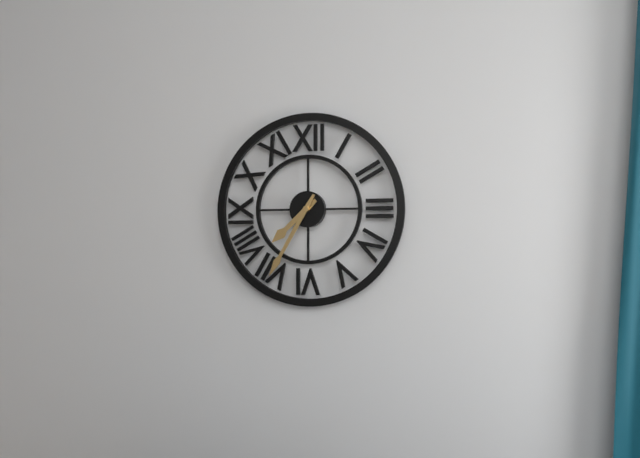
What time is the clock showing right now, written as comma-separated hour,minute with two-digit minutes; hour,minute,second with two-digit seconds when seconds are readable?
7,35
